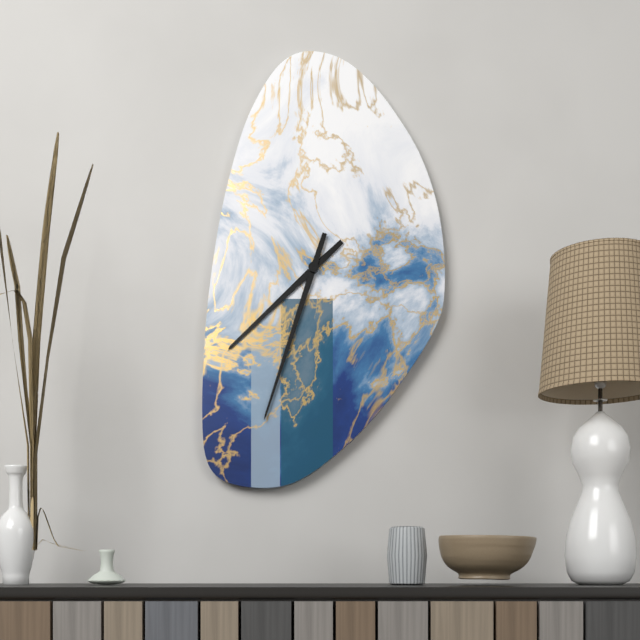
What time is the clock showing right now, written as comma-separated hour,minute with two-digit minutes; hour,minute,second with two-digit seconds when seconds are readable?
7,33
